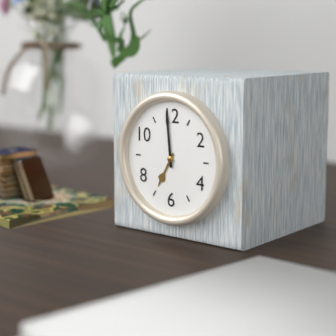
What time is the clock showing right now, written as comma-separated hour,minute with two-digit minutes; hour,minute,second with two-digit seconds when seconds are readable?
6,59
